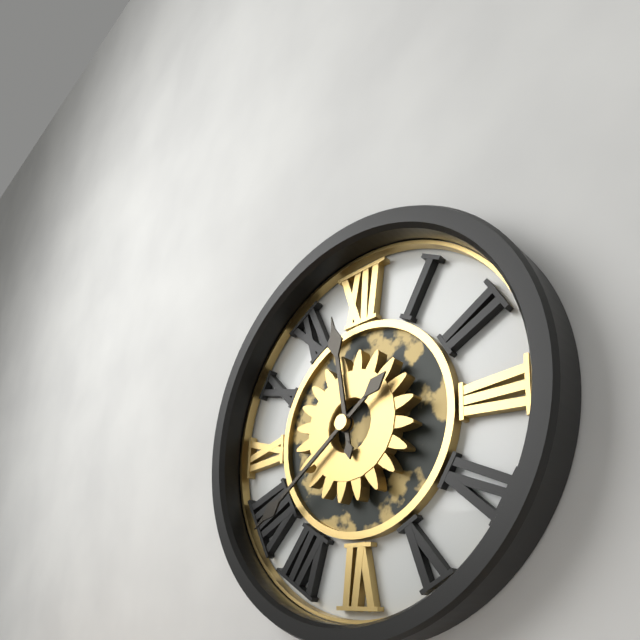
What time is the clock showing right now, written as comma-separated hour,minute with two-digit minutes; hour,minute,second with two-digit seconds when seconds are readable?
11,39
